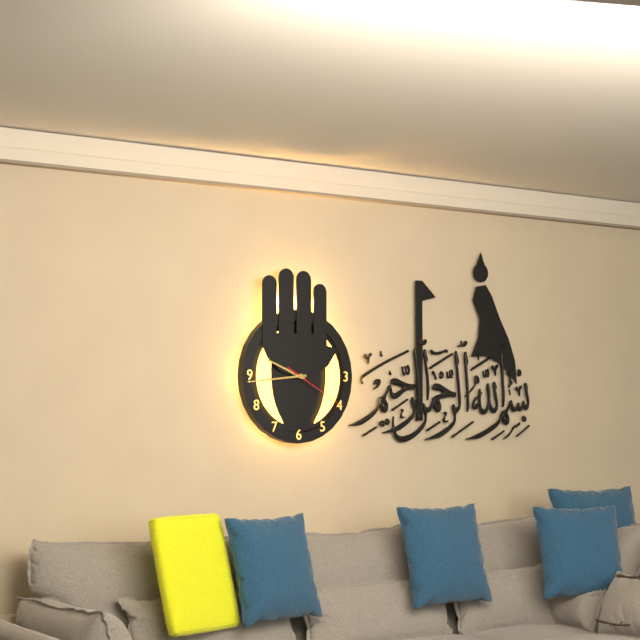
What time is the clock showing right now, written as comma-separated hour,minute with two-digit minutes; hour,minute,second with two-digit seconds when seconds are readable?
9,44,20
